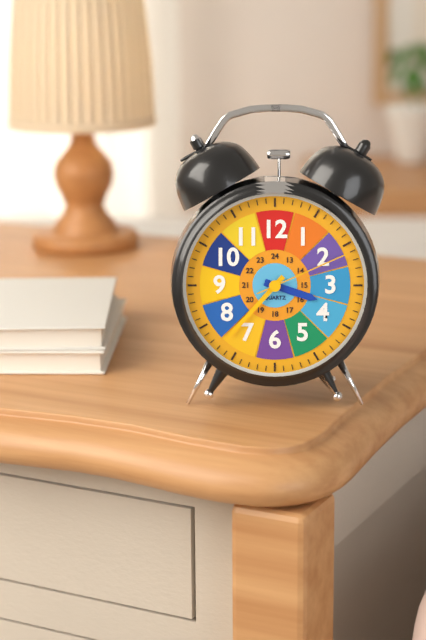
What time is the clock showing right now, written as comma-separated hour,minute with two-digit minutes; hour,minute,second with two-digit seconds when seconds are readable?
3,37,11
